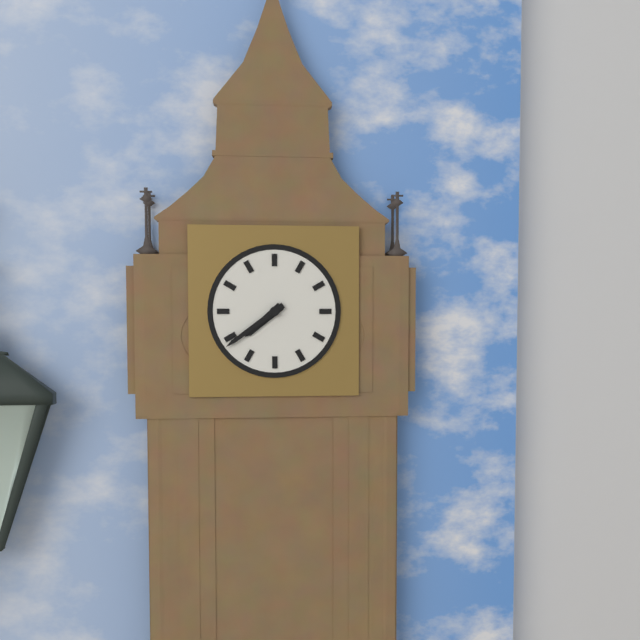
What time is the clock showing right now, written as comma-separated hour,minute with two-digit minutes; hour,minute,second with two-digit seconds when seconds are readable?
7,39
